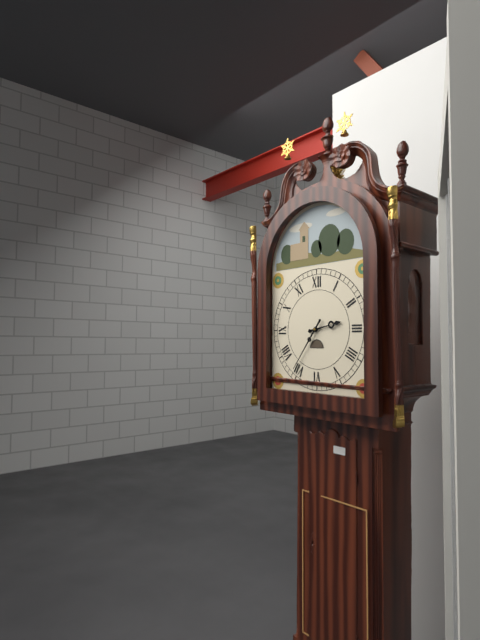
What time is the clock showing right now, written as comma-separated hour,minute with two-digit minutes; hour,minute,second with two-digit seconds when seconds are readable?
2,36
